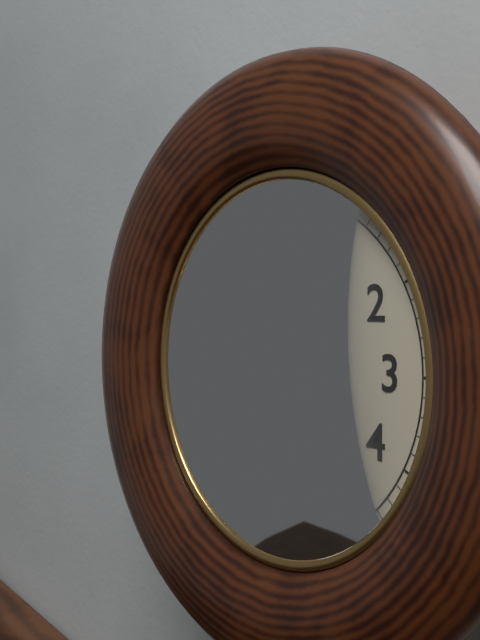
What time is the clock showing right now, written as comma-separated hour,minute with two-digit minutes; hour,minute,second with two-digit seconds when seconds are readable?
9,43
